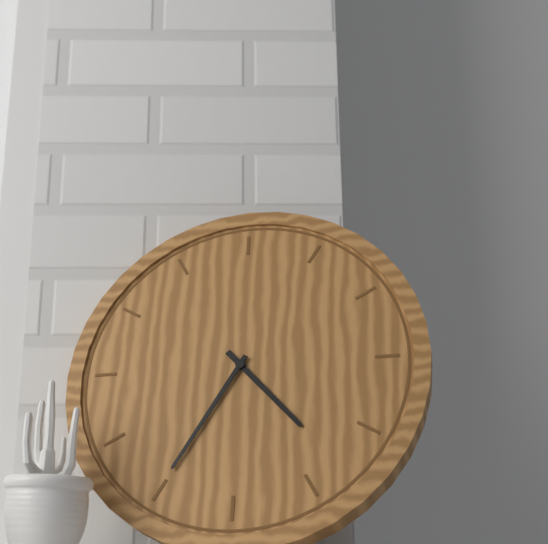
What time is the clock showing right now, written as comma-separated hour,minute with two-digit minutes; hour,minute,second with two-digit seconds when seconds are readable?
4,35
